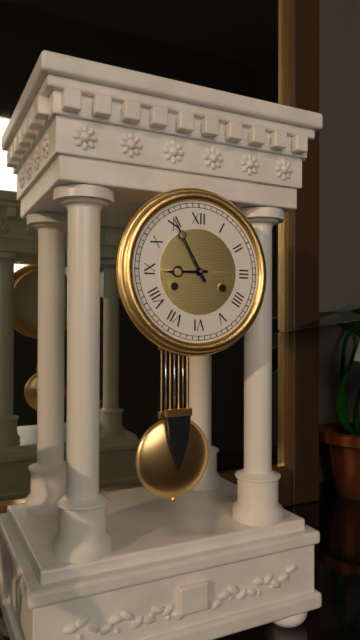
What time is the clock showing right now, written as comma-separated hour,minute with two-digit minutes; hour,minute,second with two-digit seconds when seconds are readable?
8,55
